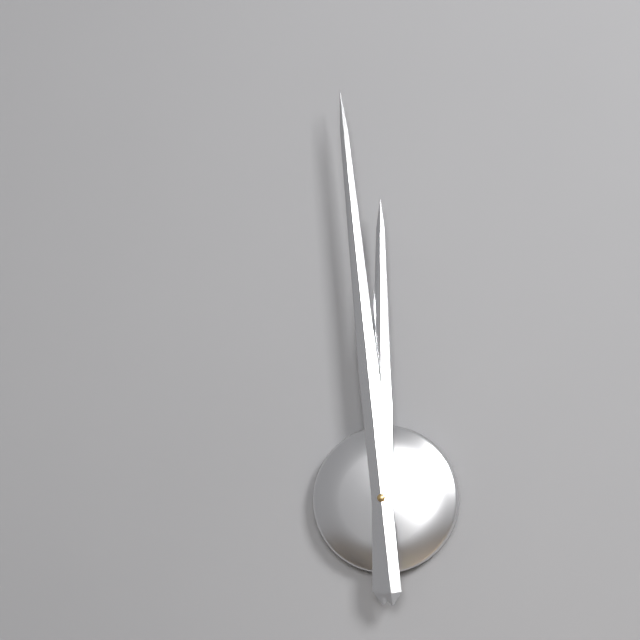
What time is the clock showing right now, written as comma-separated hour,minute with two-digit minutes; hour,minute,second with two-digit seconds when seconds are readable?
11,59
